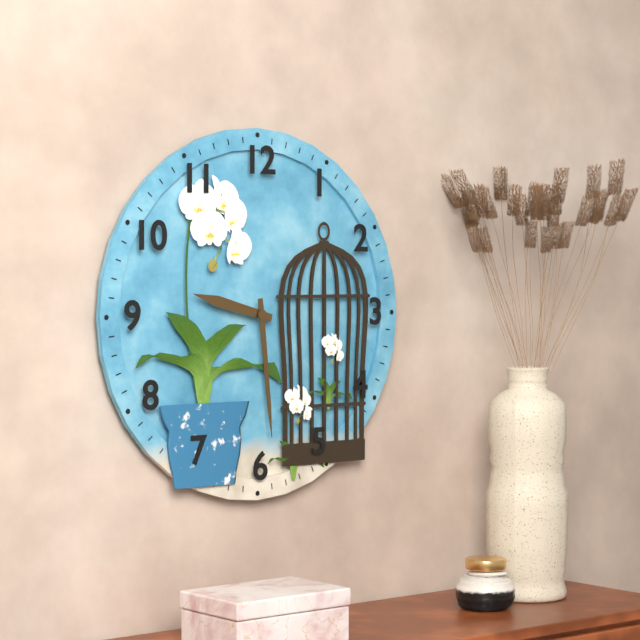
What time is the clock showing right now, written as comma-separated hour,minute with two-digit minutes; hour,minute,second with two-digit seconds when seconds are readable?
9,29
